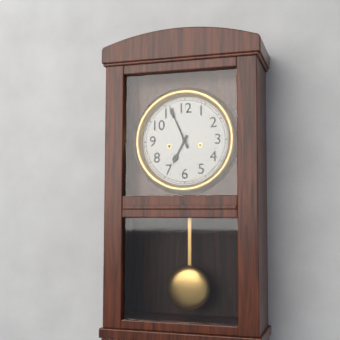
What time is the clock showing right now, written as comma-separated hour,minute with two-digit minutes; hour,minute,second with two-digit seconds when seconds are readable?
6,56
